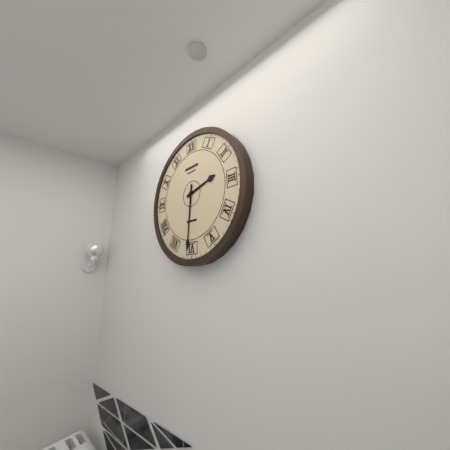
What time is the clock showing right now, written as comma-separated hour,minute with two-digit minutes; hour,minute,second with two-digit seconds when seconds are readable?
2,31
